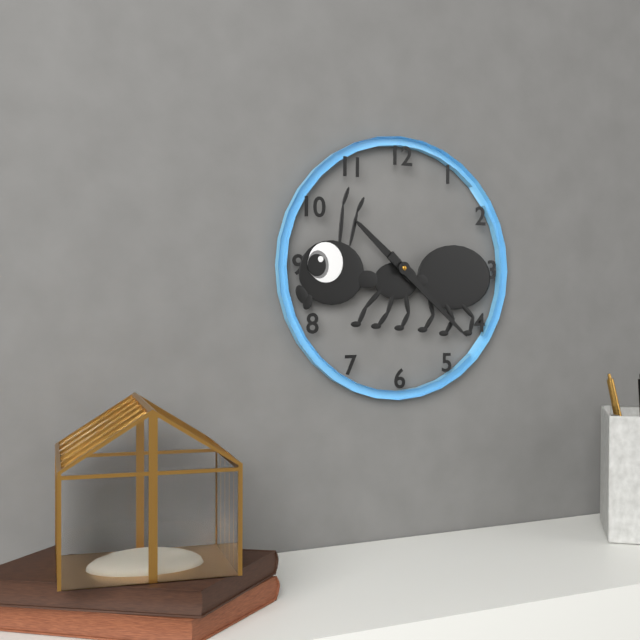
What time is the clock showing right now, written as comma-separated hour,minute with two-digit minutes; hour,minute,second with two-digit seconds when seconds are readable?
10,22
